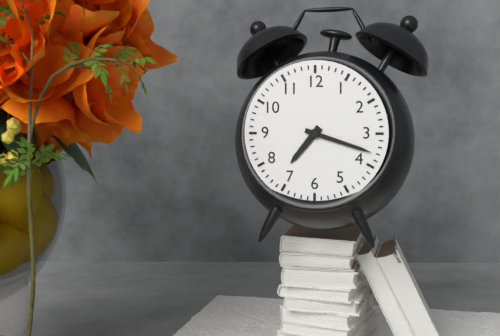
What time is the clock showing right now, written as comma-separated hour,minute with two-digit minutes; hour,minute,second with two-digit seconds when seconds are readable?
7,18
